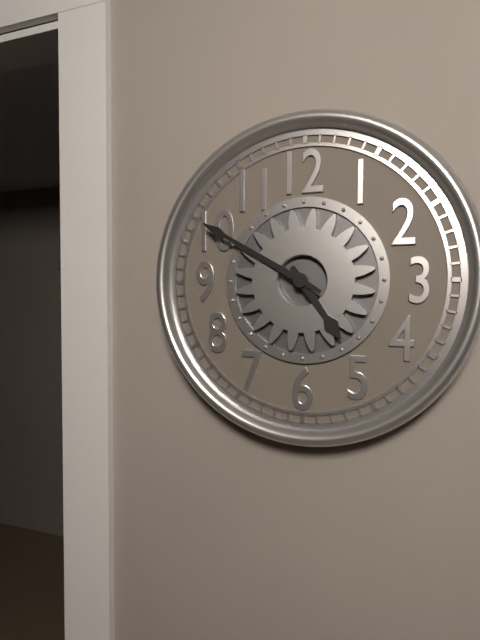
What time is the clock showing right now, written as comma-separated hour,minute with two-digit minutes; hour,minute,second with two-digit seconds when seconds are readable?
4,50
